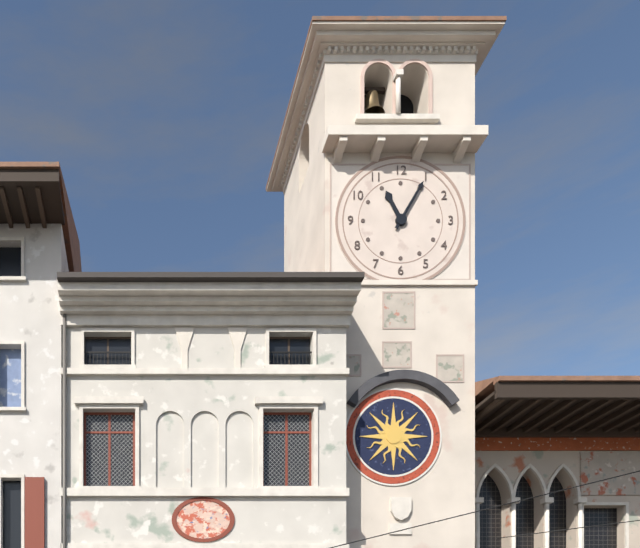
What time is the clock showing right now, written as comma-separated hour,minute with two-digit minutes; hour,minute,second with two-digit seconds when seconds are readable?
11,05
